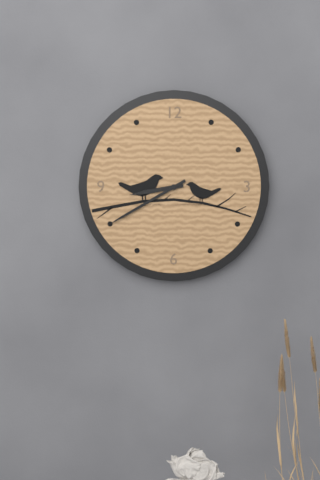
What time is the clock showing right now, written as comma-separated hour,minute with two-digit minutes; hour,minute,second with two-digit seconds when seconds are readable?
8,40
